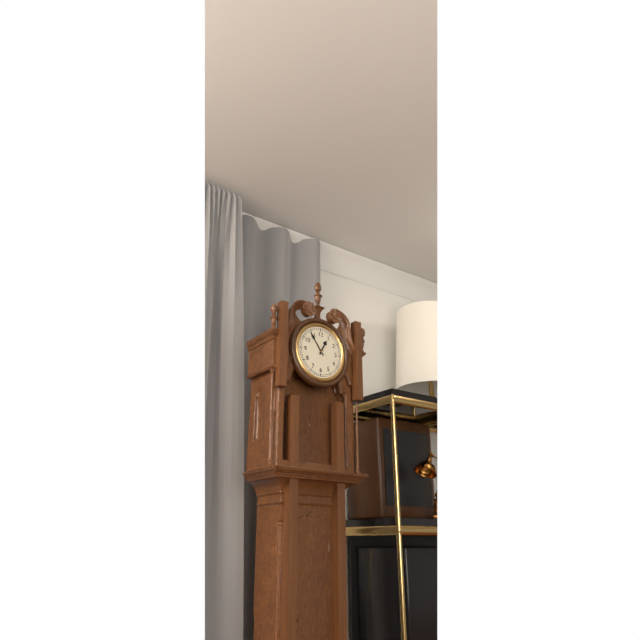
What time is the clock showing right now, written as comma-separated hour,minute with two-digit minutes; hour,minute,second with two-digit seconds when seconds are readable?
12,54
